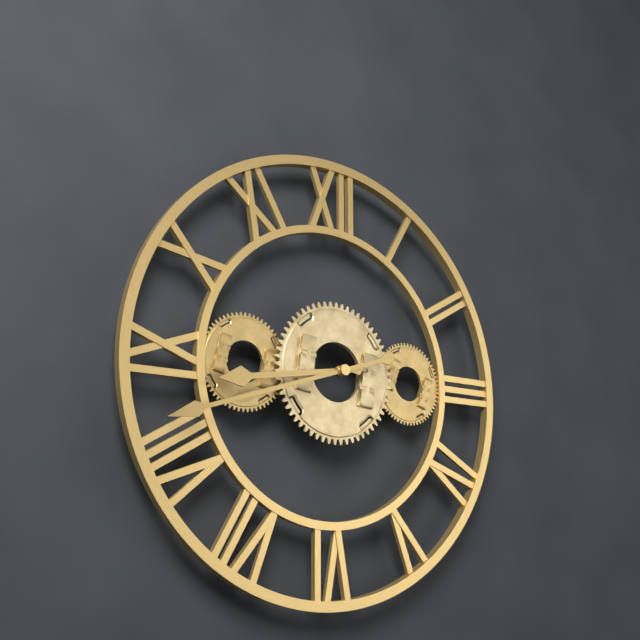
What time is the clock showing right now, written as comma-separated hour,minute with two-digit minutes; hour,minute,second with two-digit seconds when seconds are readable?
8,42
